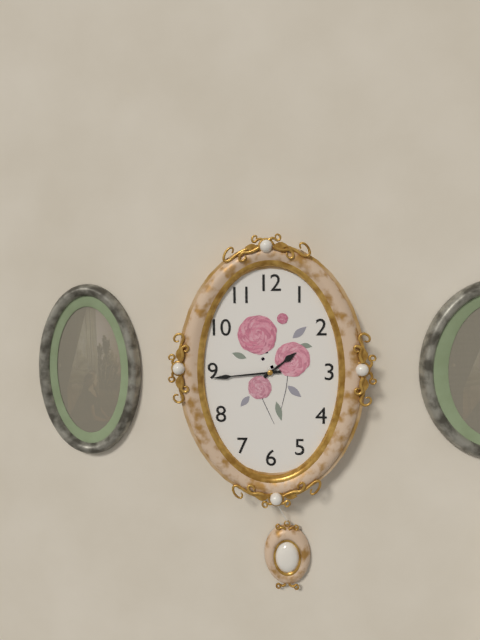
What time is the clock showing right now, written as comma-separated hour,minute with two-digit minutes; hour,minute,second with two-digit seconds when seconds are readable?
1,44
